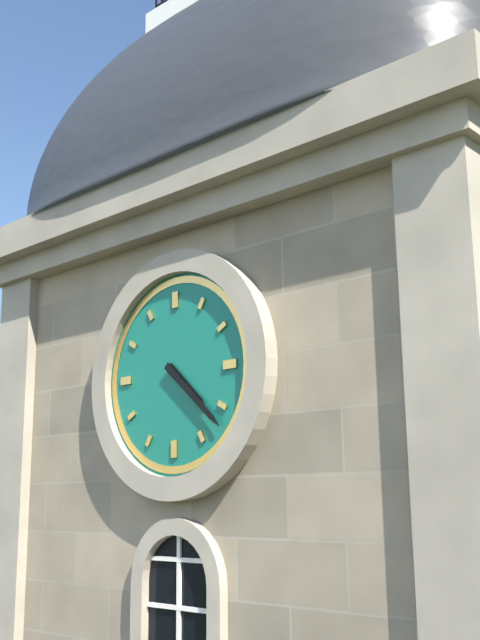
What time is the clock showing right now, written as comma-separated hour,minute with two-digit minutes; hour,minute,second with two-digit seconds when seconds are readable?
4,22
